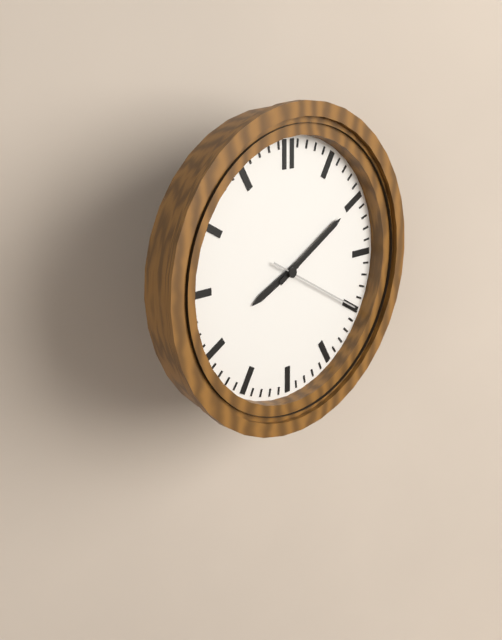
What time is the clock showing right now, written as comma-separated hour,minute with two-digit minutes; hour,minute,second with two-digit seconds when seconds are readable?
8,10,20
